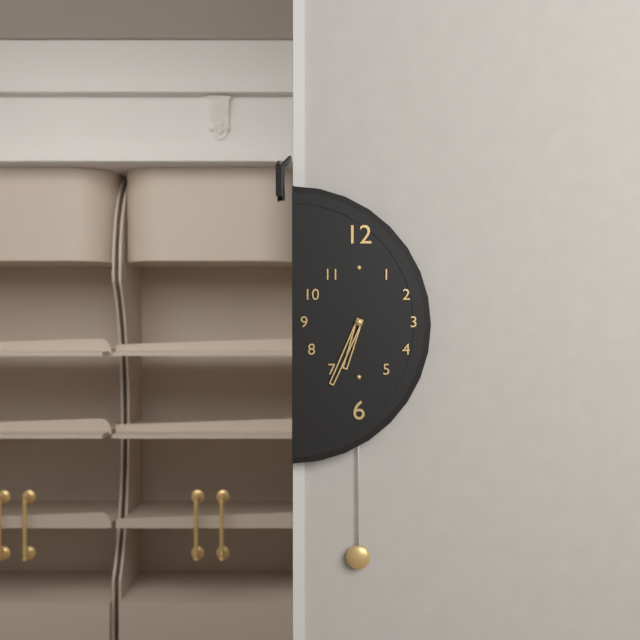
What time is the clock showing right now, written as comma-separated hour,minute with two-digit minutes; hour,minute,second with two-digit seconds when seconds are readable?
6,34
